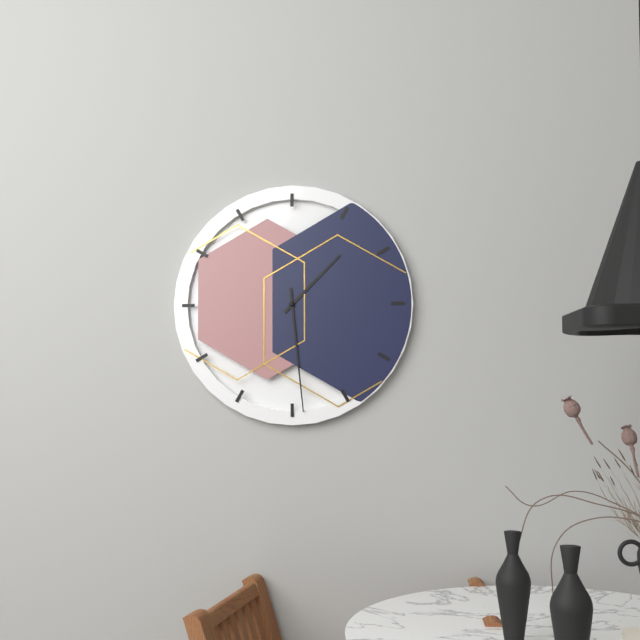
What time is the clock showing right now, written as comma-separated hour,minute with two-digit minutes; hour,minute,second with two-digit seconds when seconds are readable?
1,29
